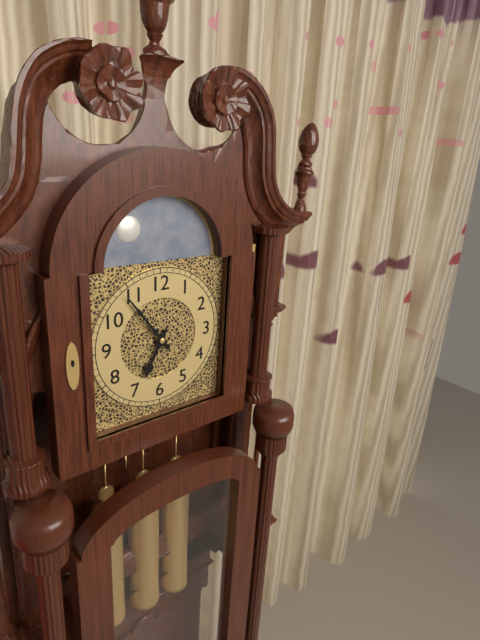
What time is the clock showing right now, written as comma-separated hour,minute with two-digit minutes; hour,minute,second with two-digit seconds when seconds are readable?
6,54
